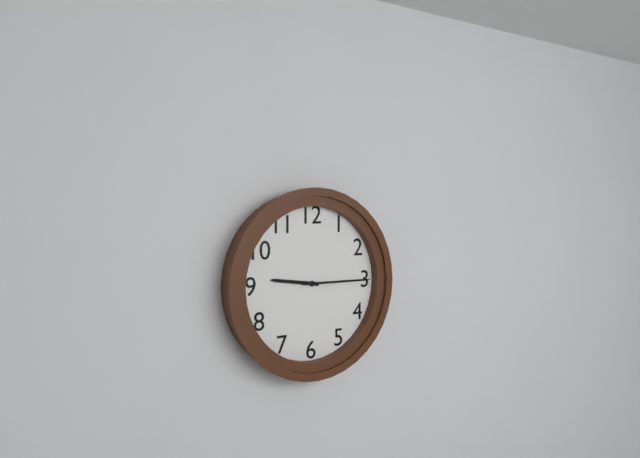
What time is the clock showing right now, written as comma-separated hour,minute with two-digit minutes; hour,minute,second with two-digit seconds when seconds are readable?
9,15
